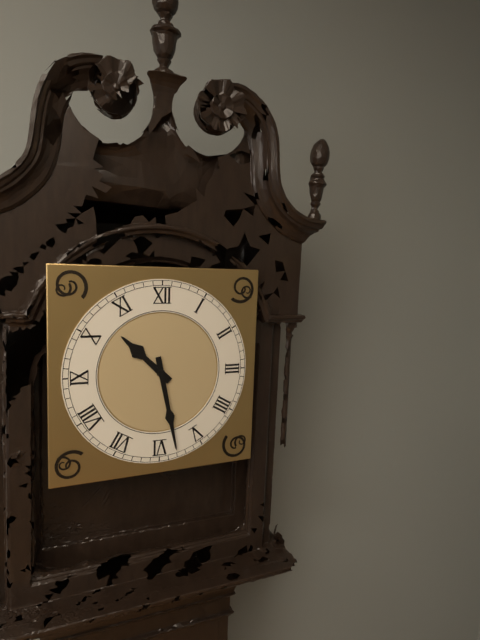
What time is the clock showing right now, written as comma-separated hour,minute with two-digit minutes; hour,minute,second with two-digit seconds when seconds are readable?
10,28
